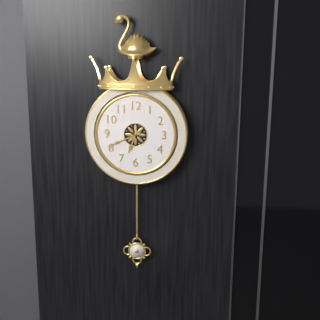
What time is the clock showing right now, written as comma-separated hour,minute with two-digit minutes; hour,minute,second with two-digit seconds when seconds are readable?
6,41
